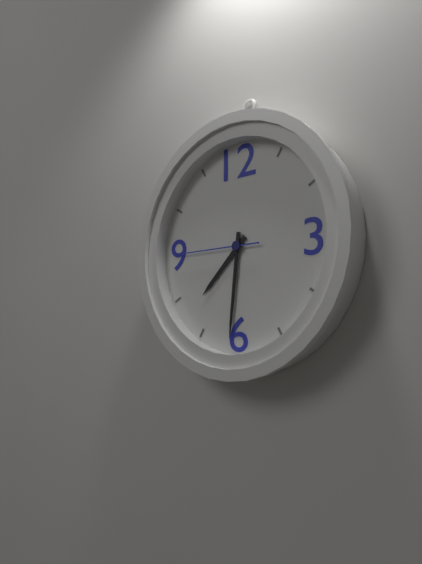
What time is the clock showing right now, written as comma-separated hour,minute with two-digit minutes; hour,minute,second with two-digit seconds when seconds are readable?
7,31,45
